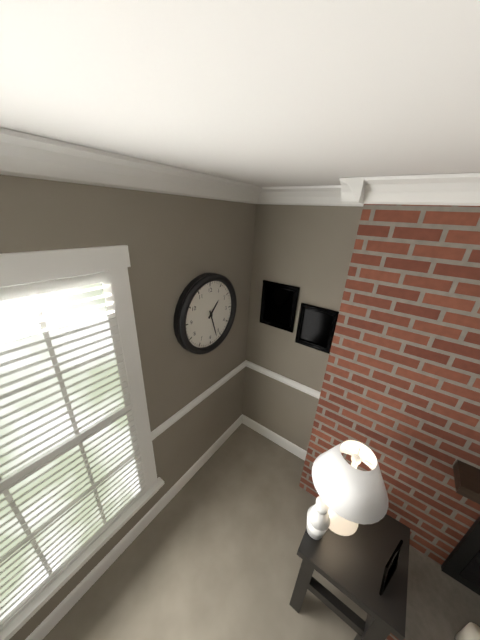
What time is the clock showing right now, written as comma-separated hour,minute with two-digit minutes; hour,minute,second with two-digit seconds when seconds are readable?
1,27
